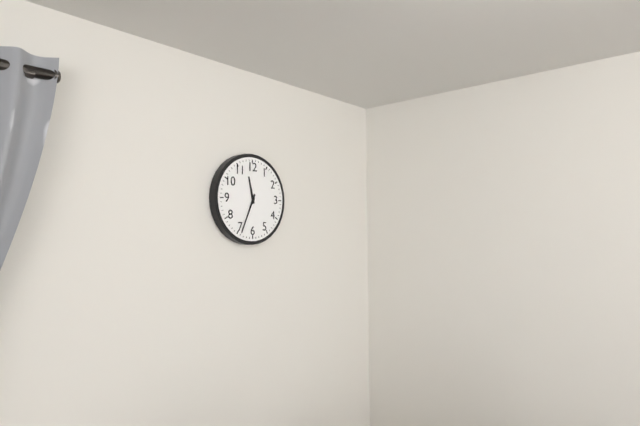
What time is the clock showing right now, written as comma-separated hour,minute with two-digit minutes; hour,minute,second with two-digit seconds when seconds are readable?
11,34
